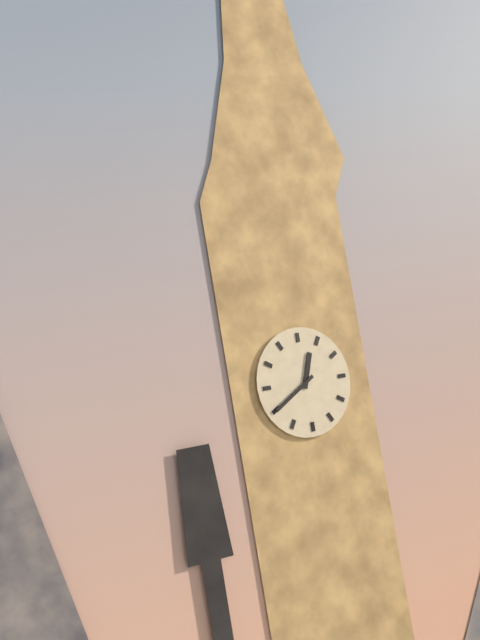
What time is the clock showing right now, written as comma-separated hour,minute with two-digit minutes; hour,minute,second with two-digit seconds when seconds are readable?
12,40
